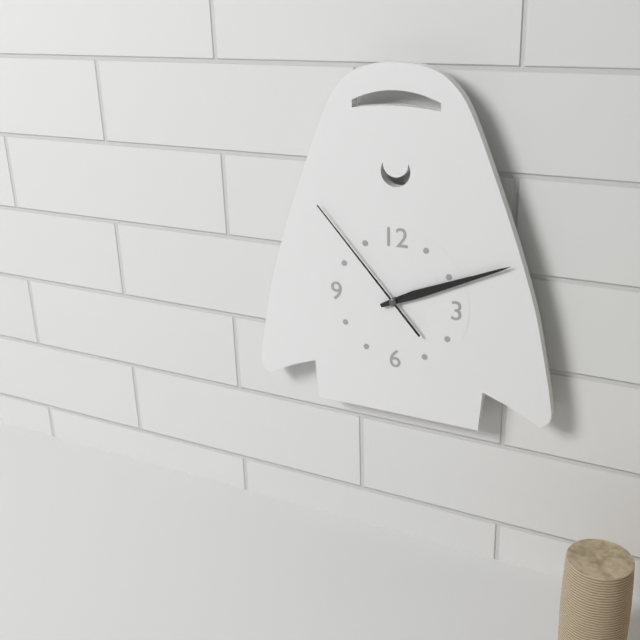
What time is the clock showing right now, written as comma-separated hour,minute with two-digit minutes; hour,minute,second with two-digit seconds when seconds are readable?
2,11,53
